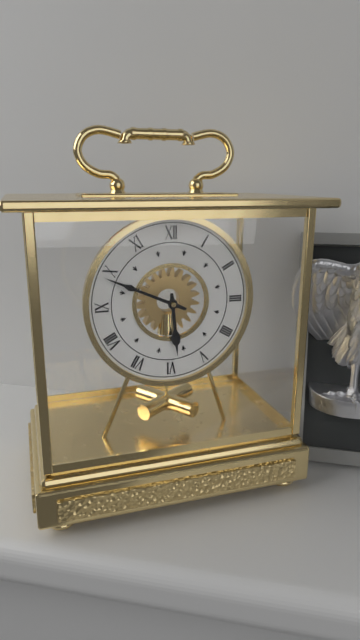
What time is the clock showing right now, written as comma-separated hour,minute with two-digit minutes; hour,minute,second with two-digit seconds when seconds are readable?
5,49
